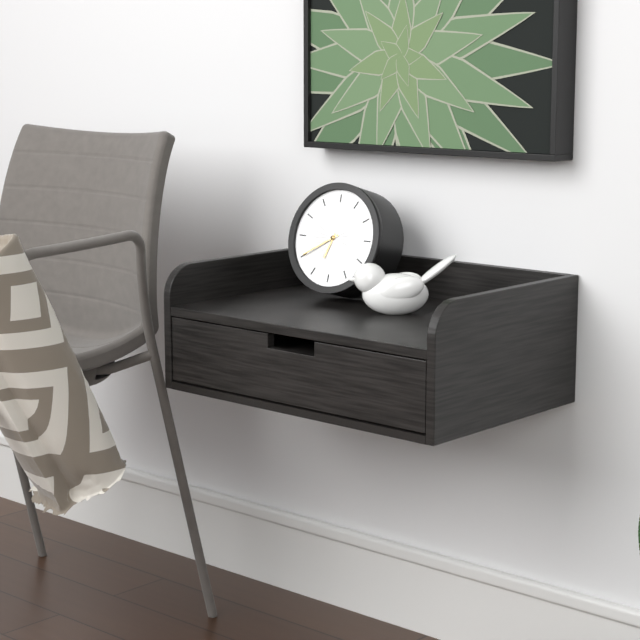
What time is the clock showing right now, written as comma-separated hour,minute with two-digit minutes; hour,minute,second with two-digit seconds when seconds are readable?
6,40
